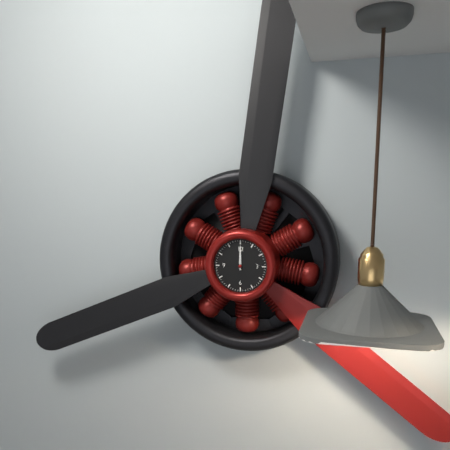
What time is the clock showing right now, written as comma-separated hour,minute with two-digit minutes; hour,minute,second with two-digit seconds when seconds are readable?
12,00
